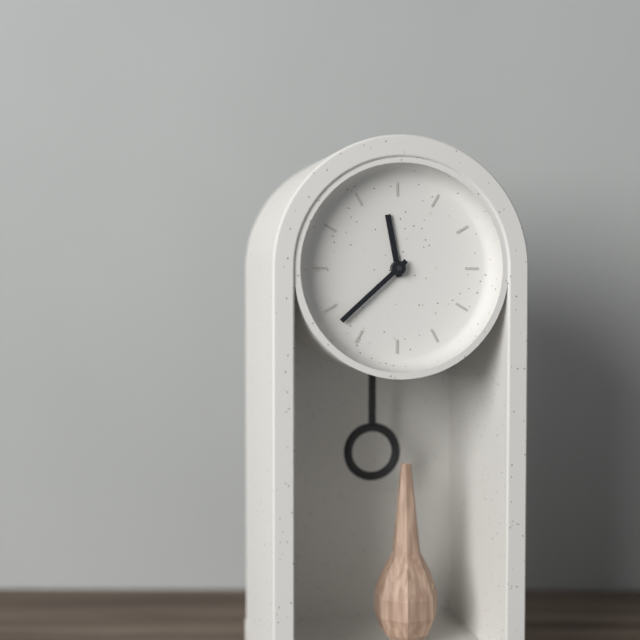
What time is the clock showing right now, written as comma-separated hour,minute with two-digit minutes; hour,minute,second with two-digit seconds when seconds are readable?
11,38
